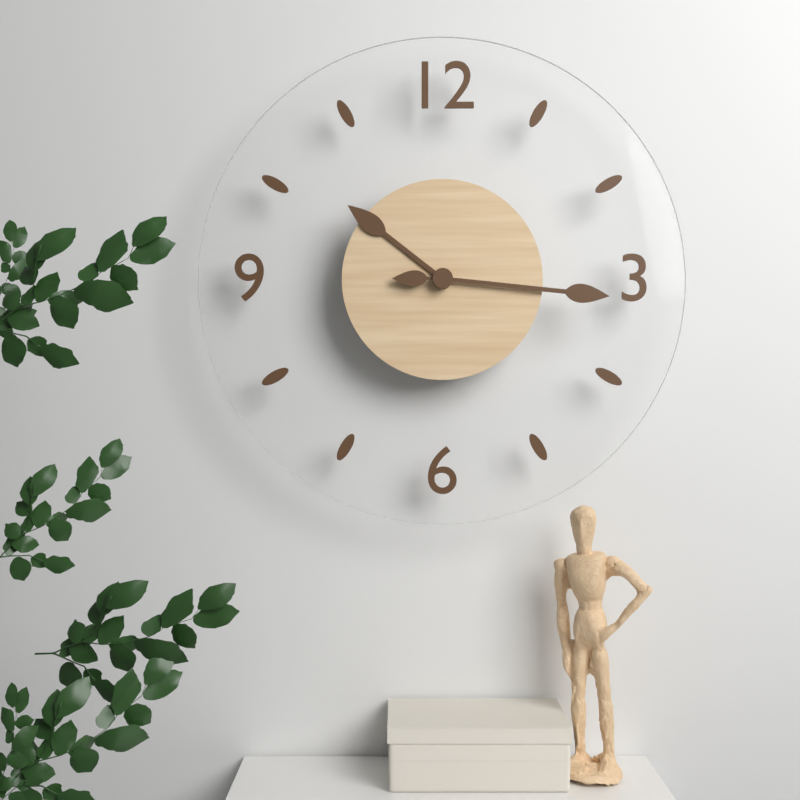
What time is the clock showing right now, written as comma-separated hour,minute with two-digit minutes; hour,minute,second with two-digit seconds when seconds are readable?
10,16,45
